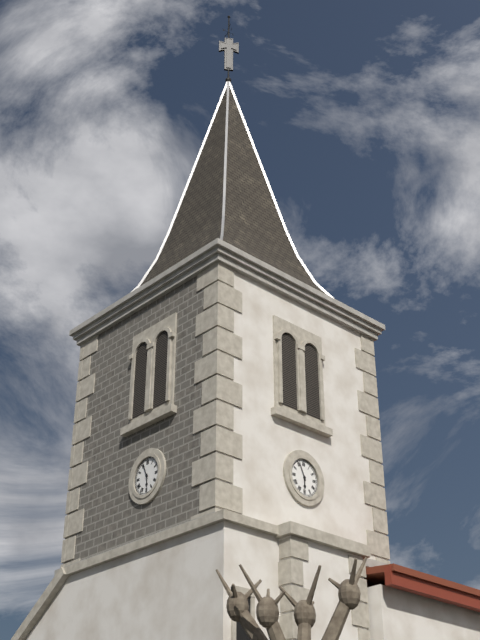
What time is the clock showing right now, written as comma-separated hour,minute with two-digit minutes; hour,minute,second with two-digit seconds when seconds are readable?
5,56
